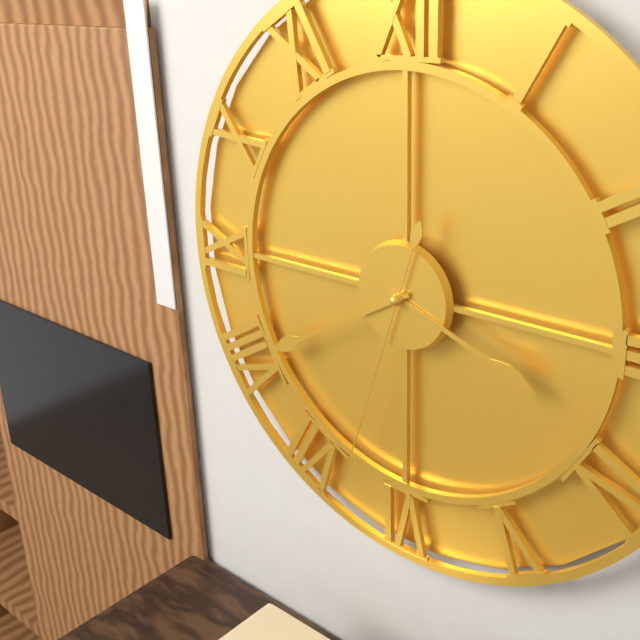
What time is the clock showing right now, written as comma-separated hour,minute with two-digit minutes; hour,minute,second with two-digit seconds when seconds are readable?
3,40,33
